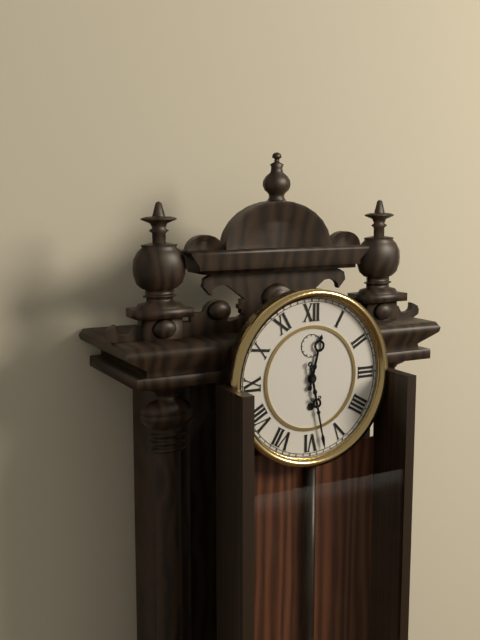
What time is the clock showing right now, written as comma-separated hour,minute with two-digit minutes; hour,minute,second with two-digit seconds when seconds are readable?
12,28
